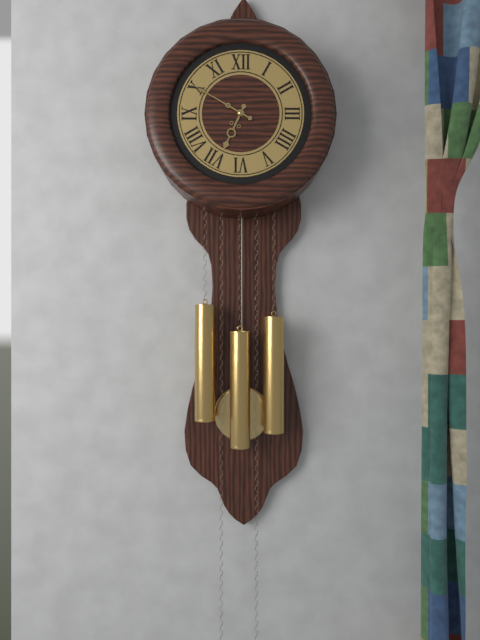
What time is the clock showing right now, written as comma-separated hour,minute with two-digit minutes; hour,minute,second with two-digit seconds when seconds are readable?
6,50
